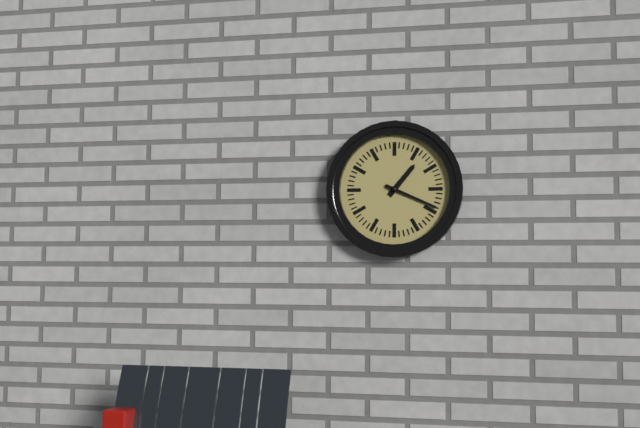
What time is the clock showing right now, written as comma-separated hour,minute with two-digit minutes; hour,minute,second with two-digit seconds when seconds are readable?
1,19
